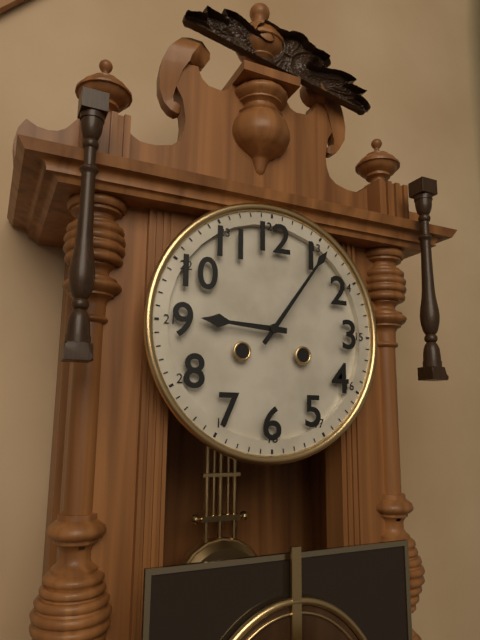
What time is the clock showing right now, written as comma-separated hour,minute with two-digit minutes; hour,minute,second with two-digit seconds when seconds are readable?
9,06
